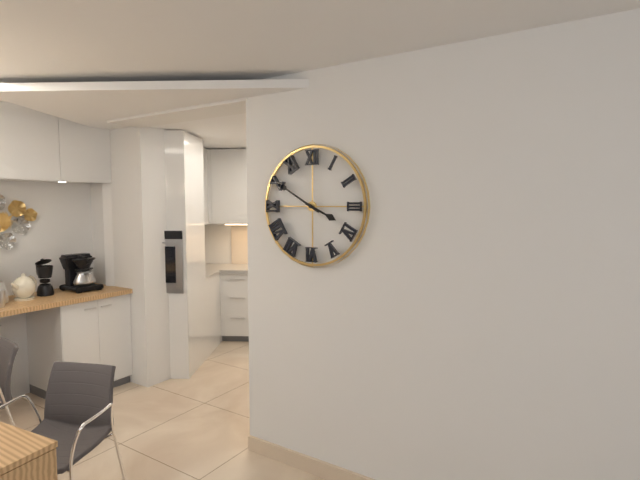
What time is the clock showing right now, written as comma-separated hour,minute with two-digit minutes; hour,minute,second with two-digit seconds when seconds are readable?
3,50
